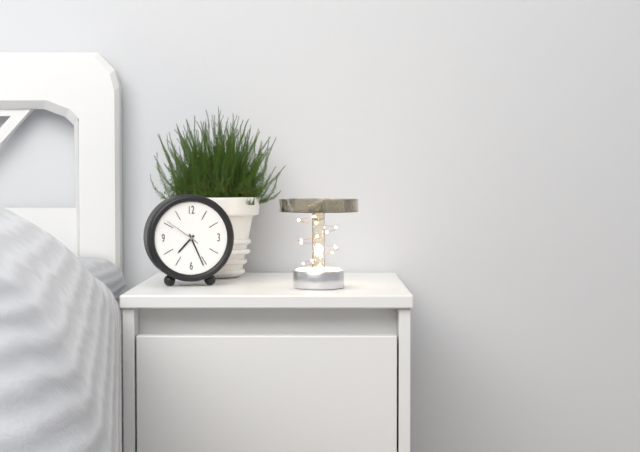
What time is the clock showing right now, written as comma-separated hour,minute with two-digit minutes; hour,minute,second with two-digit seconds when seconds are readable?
7,26
